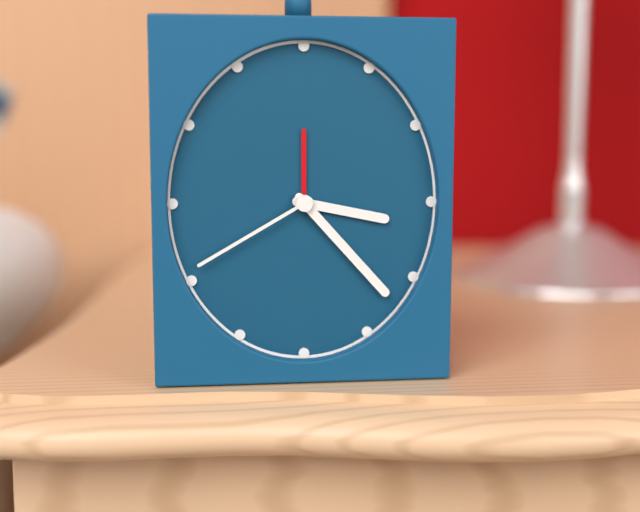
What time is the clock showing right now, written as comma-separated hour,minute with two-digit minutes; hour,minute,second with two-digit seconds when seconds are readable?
3,23,40
